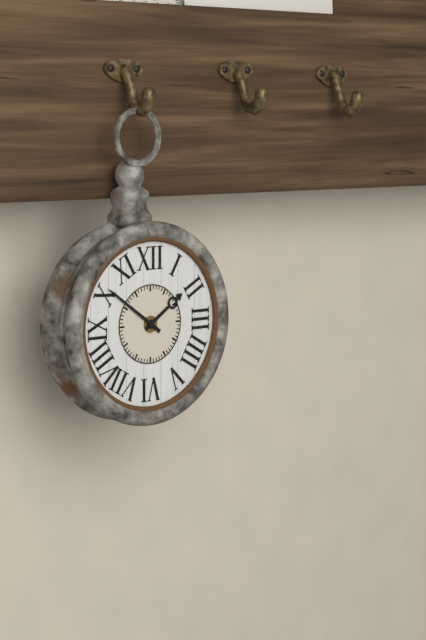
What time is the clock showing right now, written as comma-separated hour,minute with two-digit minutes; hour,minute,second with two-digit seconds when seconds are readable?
1,51
